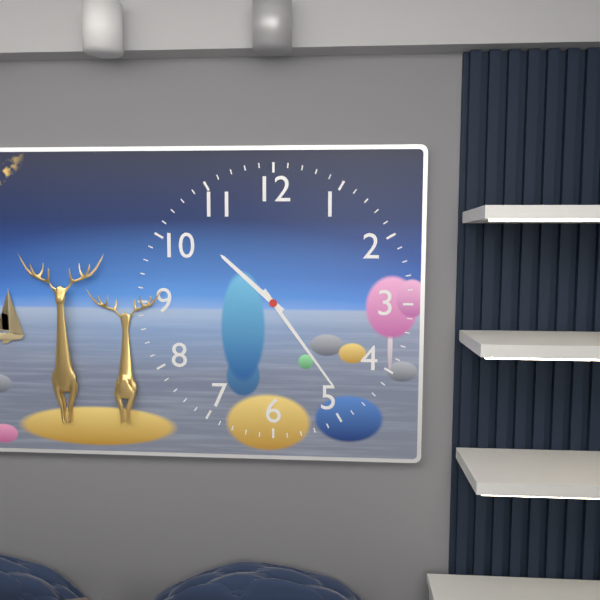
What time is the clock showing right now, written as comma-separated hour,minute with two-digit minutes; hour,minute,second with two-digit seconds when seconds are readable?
10,24
